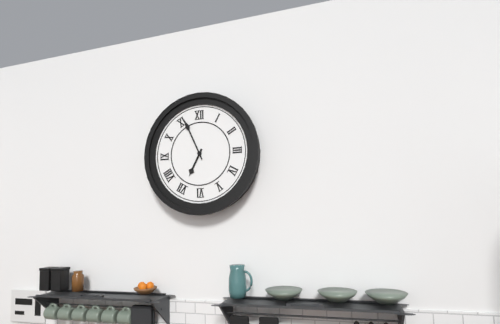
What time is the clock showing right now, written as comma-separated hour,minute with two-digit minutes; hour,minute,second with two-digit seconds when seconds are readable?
6,56
